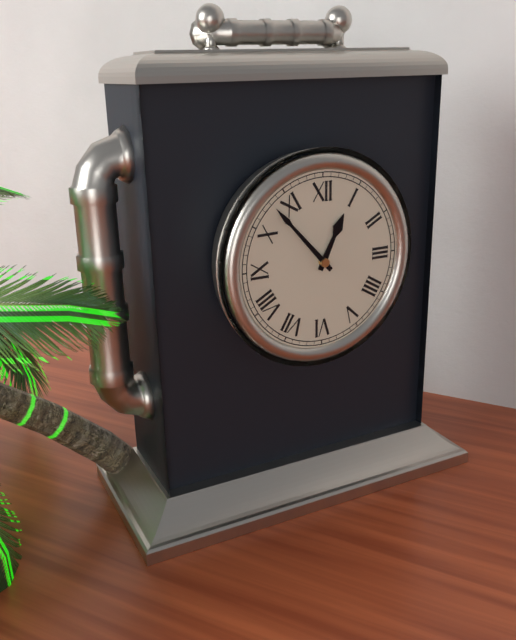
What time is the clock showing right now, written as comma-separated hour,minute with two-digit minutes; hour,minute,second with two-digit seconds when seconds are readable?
12,53
